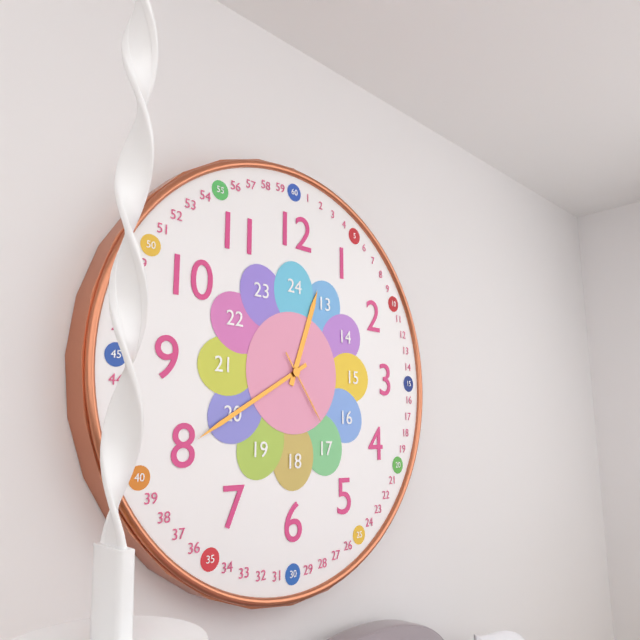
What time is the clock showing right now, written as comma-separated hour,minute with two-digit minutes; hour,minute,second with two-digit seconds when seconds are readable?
12,40,24
